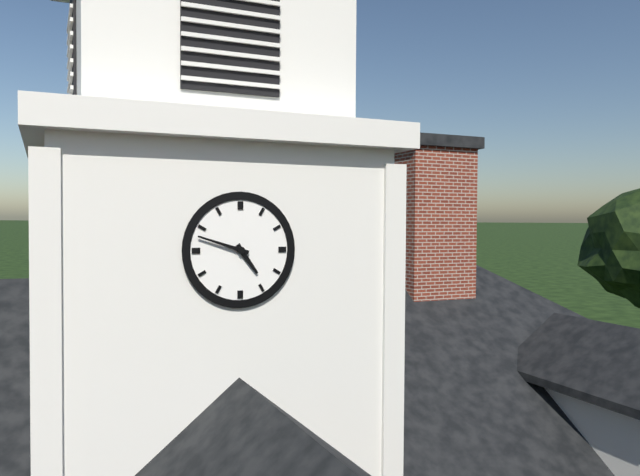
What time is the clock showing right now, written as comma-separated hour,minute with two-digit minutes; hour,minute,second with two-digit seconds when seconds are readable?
4,48
